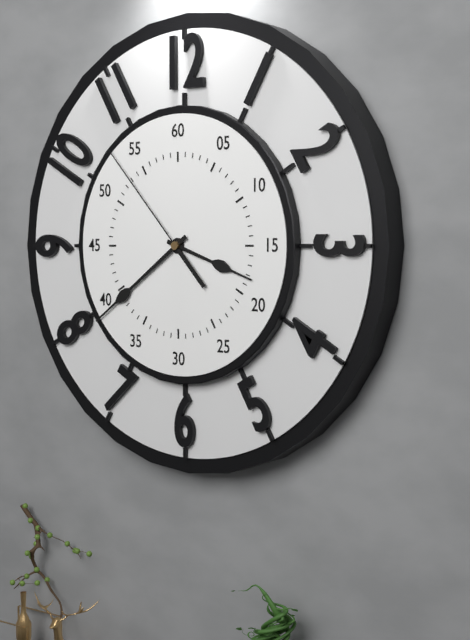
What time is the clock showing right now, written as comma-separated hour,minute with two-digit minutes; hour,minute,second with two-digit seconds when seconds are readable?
3,39,53
